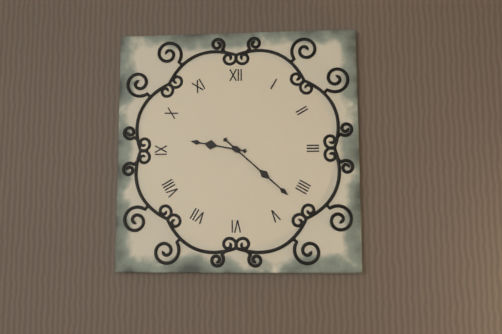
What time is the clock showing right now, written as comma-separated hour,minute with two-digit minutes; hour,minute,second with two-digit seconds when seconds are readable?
9,22
